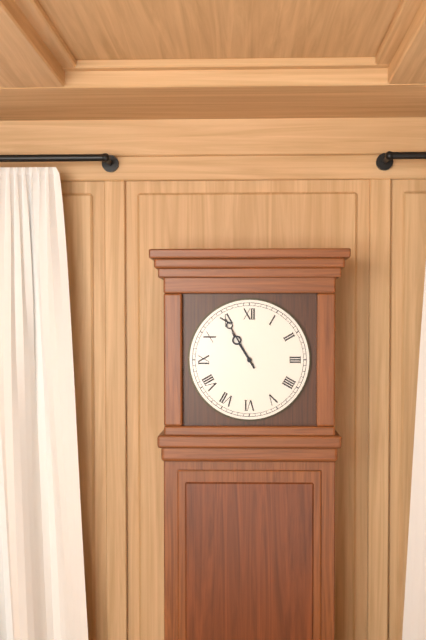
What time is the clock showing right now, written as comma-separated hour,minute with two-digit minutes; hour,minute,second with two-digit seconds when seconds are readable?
10,55
